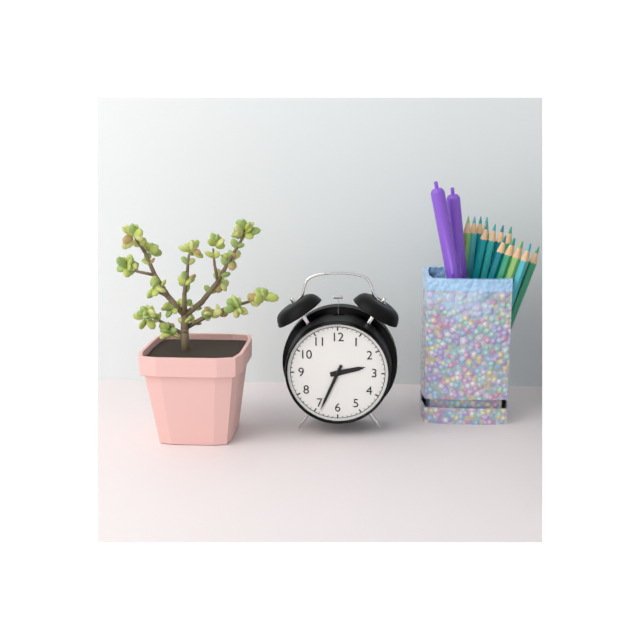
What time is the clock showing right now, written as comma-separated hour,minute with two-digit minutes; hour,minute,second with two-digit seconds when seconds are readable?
2,34
